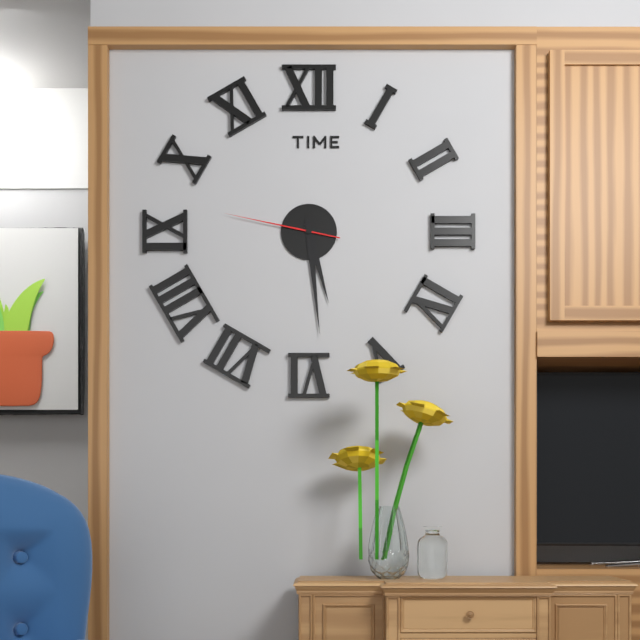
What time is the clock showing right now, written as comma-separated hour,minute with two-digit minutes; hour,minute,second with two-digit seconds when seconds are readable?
5,29,47
